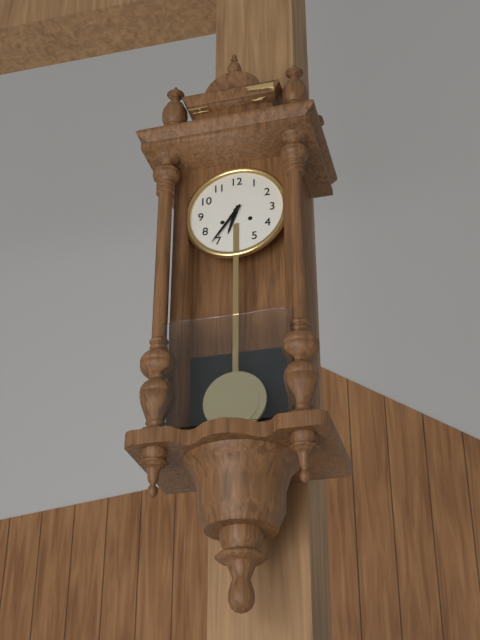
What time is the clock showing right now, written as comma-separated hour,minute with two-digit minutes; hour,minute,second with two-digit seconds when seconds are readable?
6,36
